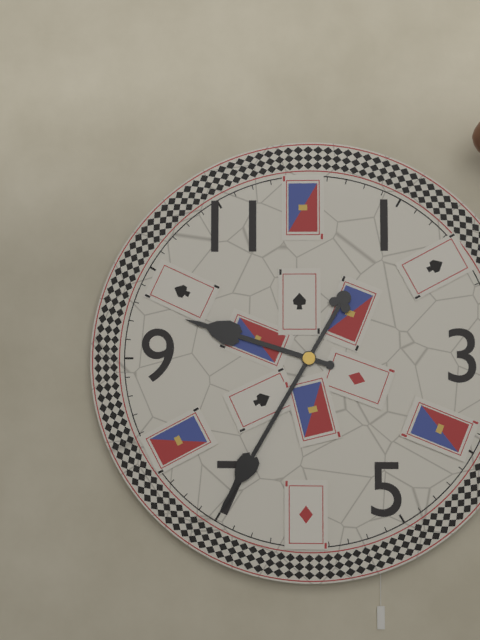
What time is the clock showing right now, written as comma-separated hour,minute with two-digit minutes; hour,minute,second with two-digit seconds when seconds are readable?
9,35
